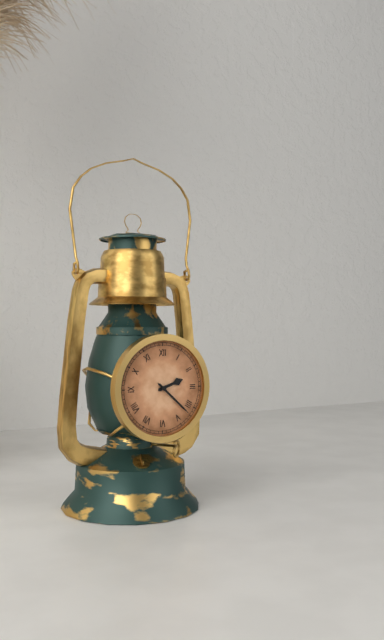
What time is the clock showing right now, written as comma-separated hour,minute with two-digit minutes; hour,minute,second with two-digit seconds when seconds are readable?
2,22
